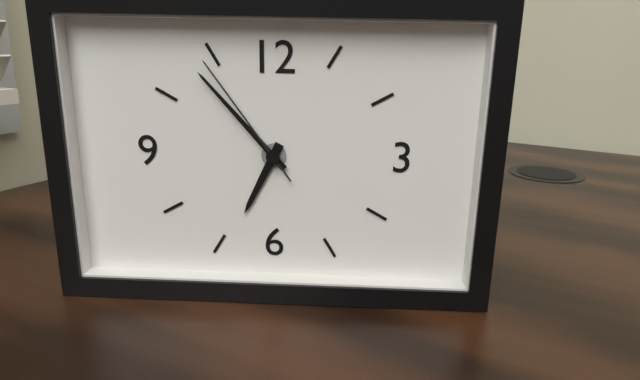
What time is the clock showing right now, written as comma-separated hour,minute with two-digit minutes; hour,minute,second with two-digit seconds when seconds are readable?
6,53,54
